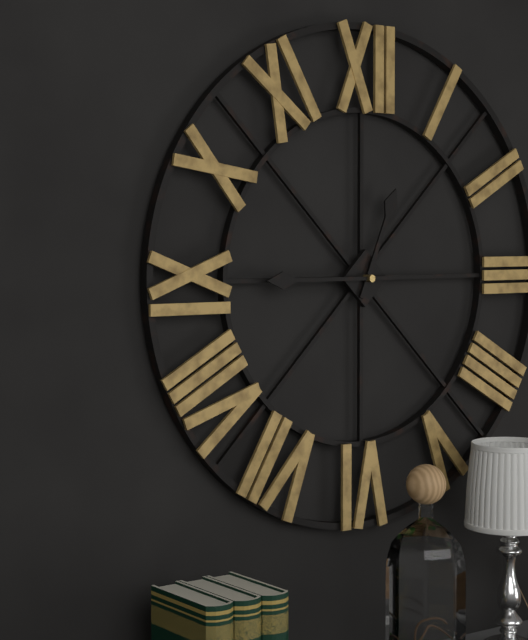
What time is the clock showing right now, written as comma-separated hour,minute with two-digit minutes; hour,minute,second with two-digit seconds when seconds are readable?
12,45
